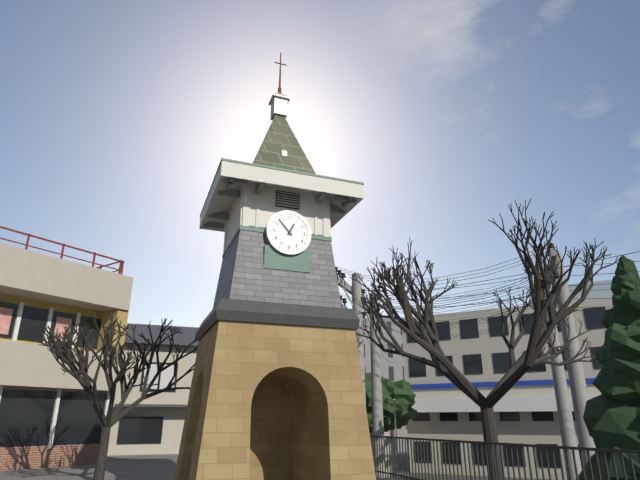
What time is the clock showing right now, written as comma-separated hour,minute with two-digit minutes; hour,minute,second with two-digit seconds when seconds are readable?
12,53
